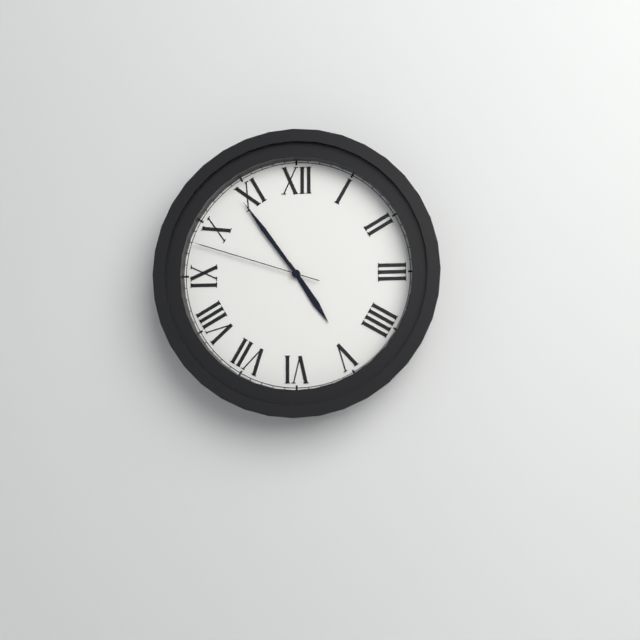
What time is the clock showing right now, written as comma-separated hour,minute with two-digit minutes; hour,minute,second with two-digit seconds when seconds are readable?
4,54,48
